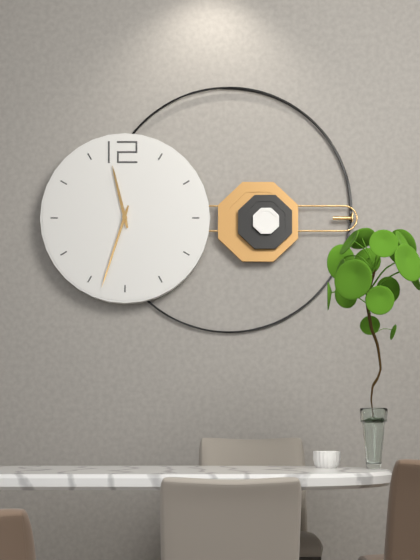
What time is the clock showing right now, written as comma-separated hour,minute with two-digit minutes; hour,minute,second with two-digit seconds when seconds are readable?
11,33
